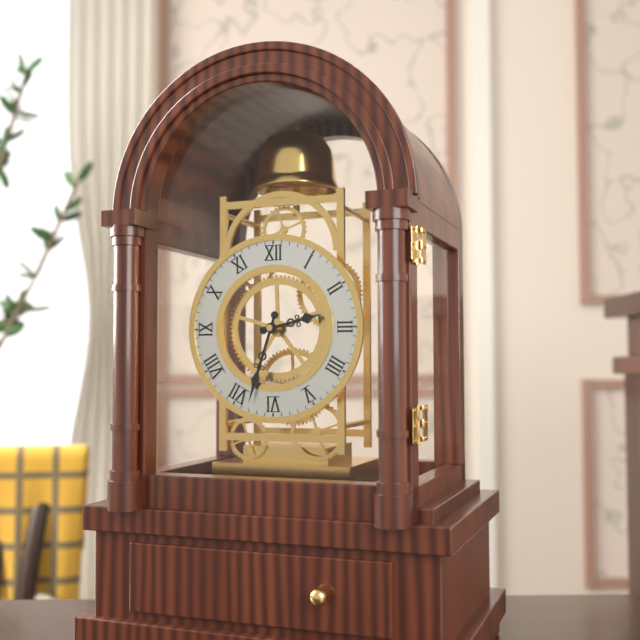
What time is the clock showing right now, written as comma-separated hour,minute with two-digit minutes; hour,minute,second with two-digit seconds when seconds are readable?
2,33
